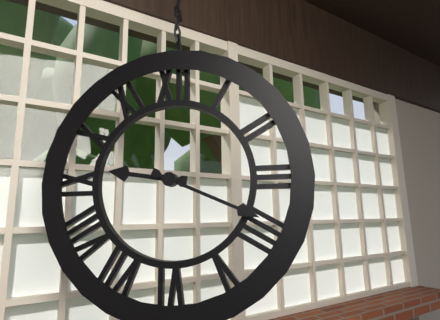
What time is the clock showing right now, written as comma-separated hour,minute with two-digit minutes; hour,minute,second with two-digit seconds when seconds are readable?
9,19
